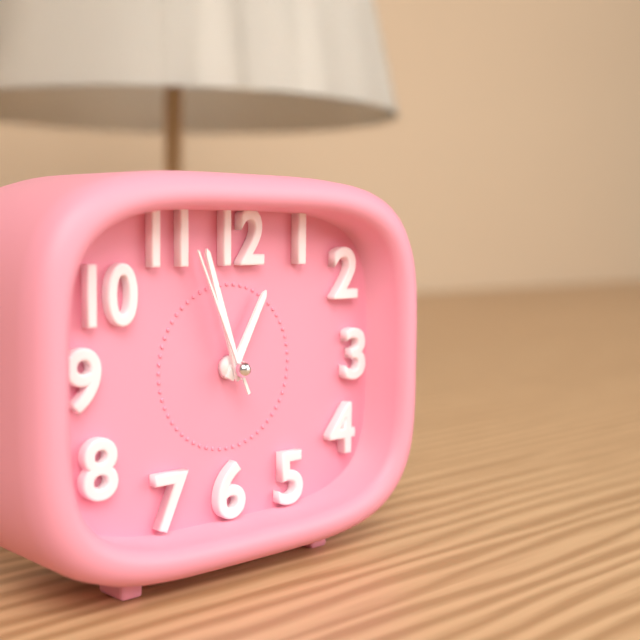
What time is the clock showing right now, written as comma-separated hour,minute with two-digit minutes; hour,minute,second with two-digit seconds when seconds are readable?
12,57,56
